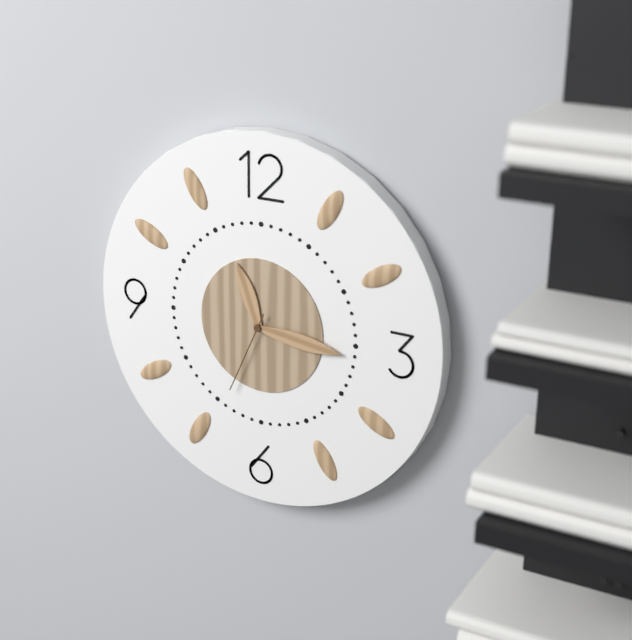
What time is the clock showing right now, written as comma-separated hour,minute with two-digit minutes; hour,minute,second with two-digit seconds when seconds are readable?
11,16,34
